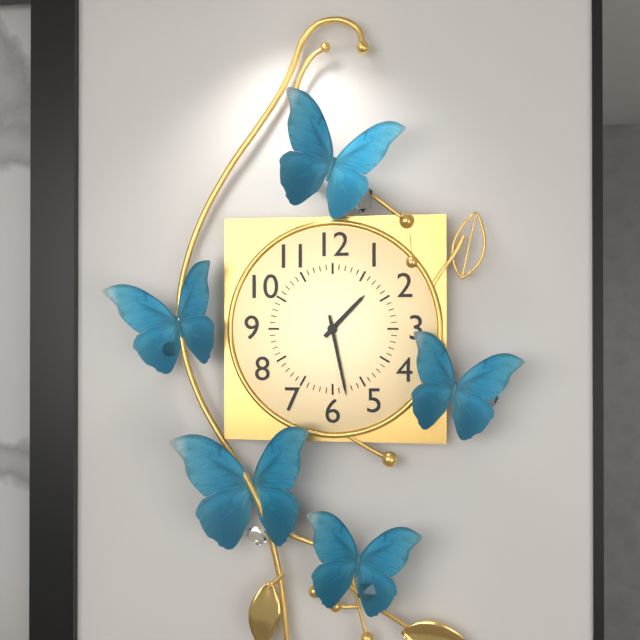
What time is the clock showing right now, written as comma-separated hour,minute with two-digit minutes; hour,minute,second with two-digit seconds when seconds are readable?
1,28
